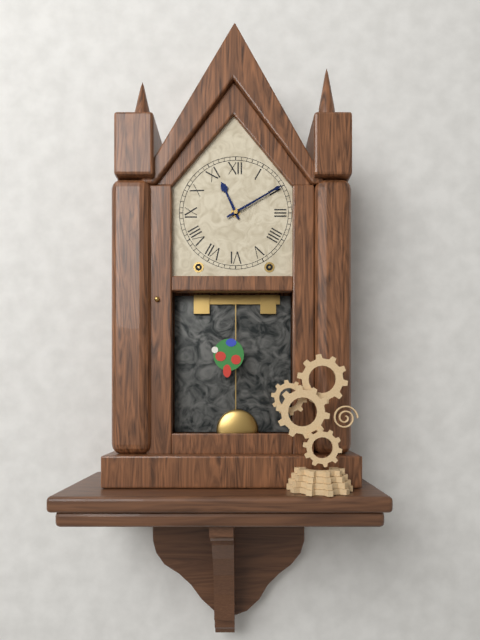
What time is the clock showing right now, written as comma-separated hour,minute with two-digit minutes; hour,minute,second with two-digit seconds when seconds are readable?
11,10
